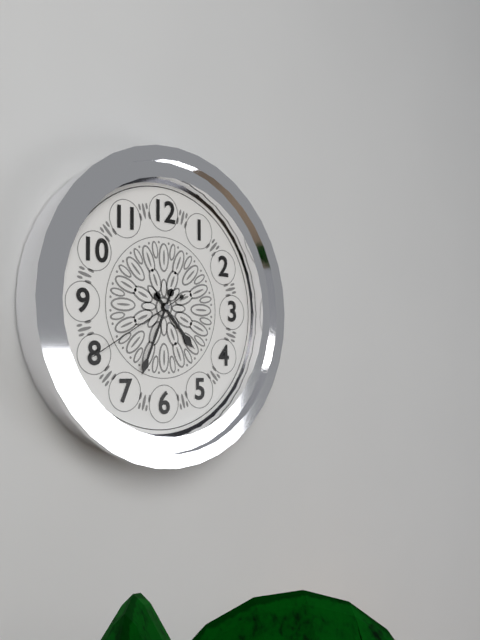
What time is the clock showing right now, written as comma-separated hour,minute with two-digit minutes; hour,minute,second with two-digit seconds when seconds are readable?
4,34,40
